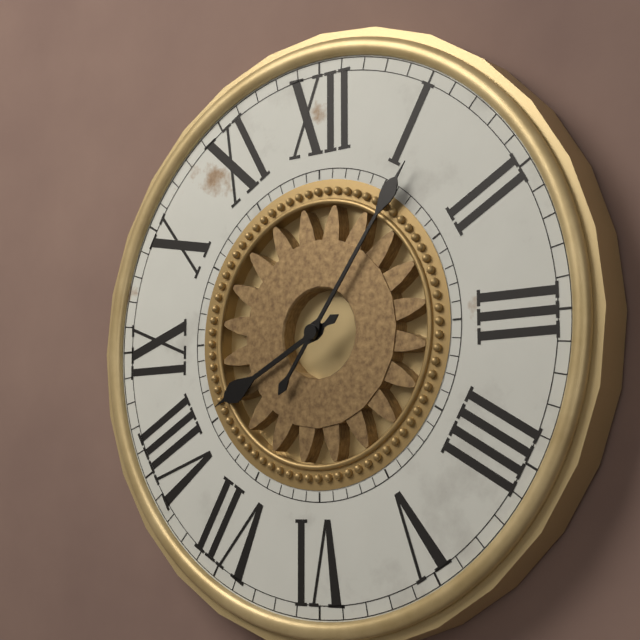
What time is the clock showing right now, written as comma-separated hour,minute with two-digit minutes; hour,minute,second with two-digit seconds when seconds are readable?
8,06
